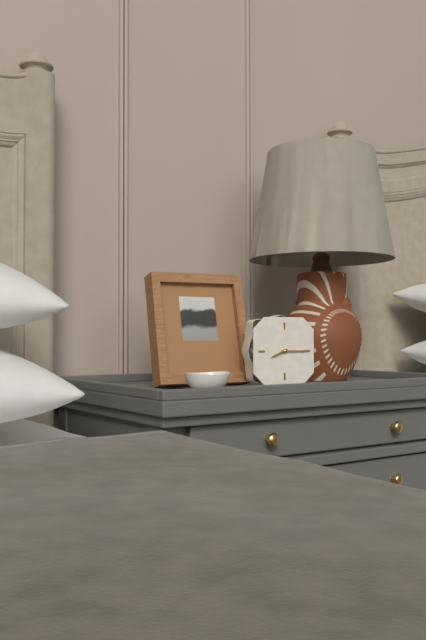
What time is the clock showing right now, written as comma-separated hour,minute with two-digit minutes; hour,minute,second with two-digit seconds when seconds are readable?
8,15
